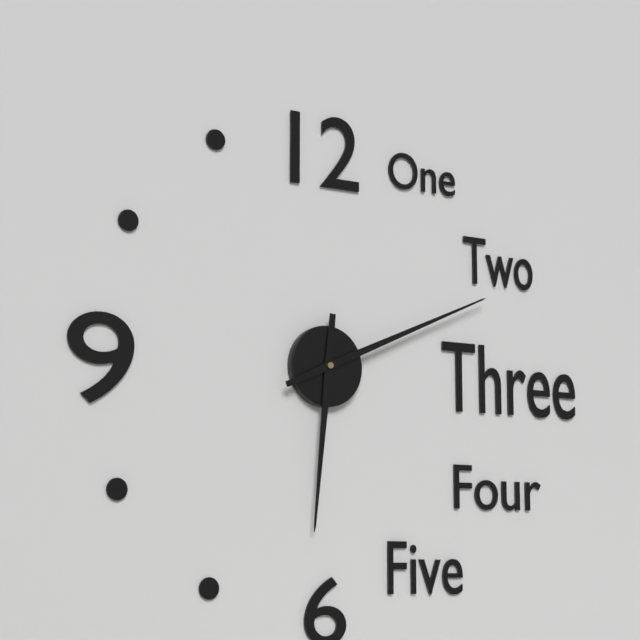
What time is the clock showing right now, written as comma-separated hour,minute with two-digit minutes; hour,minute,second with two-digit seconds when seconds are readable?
6,11
